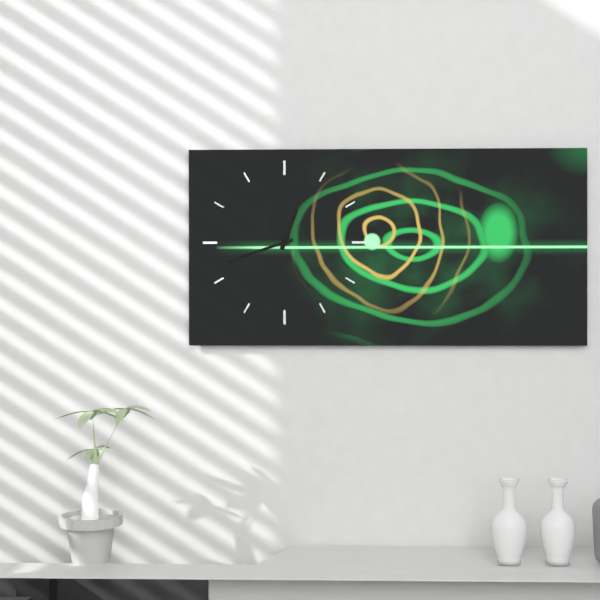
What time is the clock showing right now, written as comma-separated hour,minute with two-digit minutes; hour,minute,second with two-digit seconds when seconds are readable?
12,42
